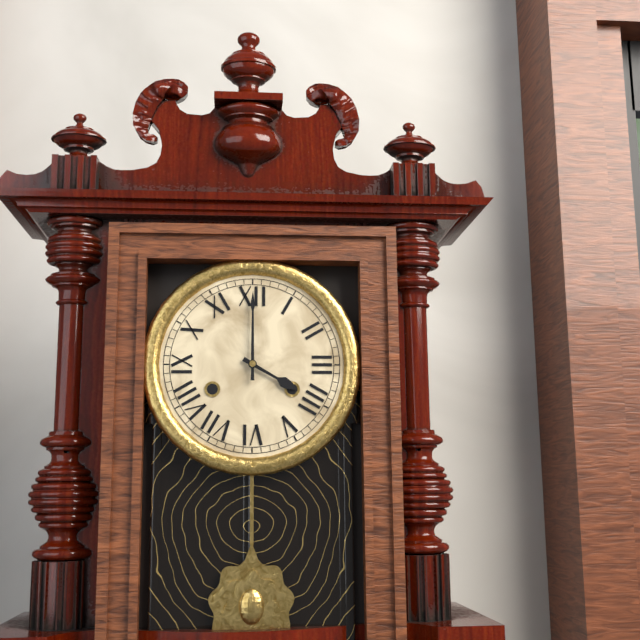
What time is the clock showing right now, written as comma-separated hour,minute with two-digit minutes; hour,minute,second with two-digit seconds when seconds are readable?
4,00
